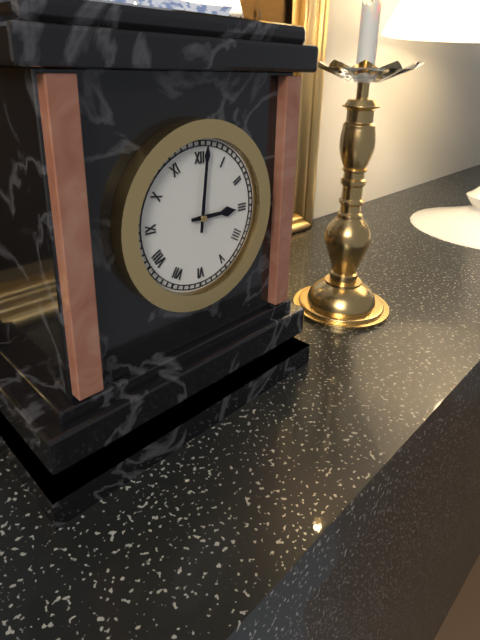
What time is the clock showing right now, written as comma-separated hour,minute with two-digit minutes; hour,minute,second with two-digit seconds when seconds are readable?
3,01
